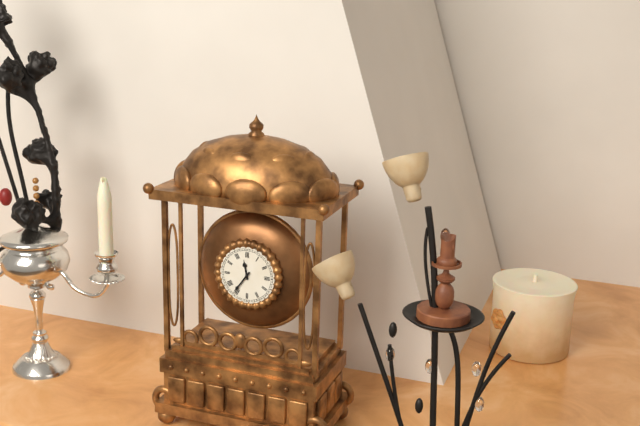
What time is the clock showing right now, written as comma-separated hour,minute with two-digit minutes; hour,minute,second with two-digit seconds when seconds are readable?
11,36
